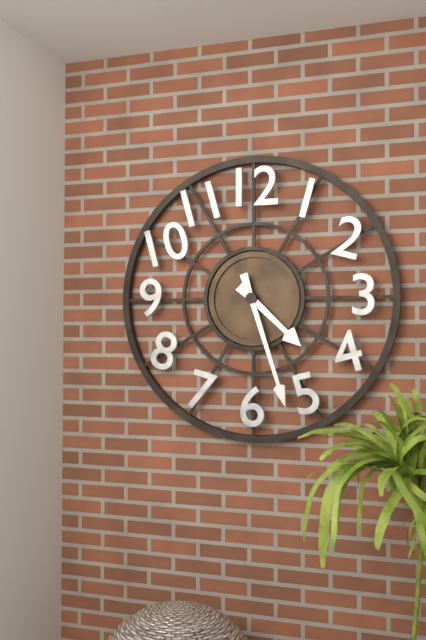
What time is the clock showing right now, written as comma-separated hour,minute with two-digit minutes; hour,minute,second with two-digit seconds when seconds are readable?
4,27
